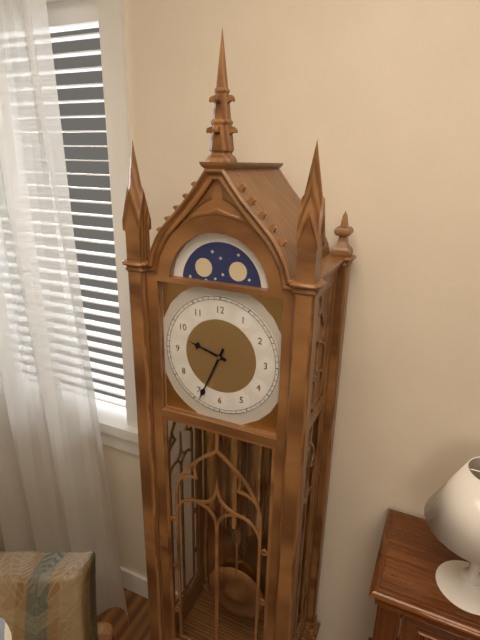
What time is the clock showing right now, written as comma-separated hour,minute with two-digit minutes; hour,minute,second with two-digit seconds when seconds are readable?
9,34
